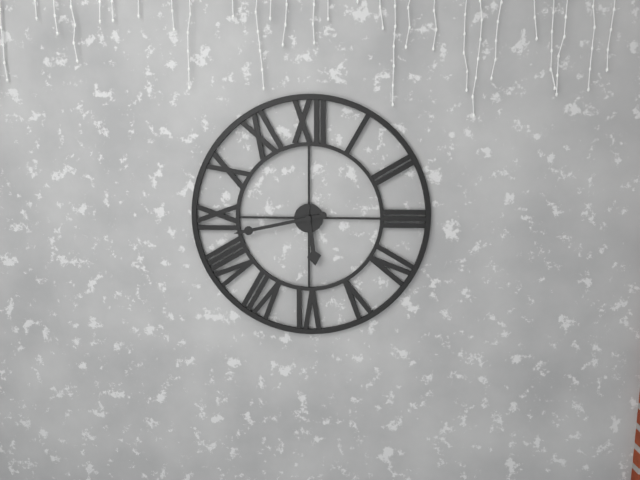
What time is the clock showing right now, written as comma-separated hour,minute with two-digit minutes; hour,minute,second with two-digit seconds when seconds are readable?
5,43
